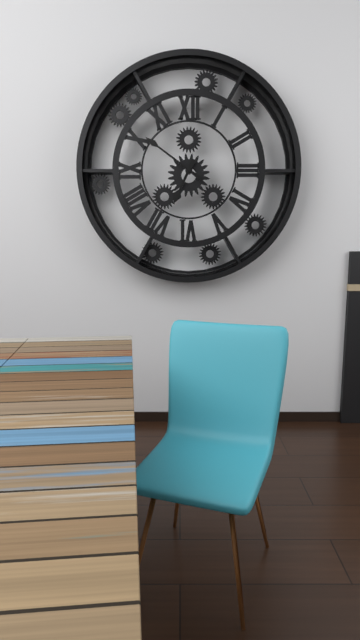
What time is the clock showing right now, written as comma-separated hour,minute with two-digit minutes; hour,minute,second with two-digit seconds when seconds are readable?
6,51
